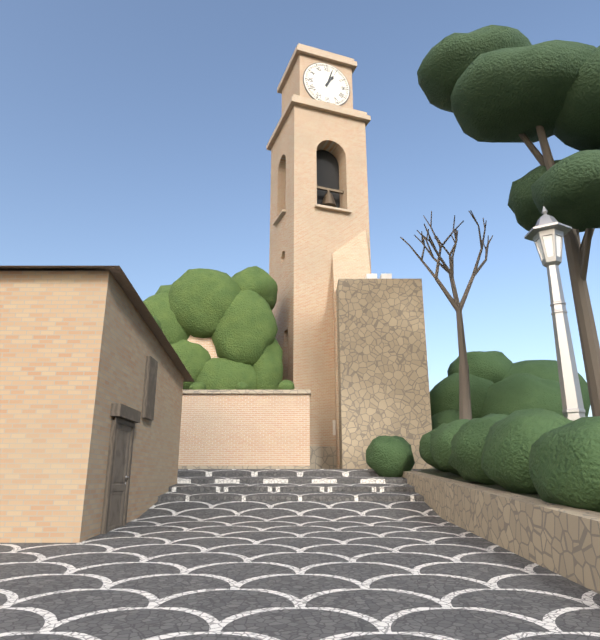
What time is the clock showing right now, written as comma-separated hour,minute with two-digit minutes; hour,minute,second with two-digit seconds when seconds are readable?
1,03
